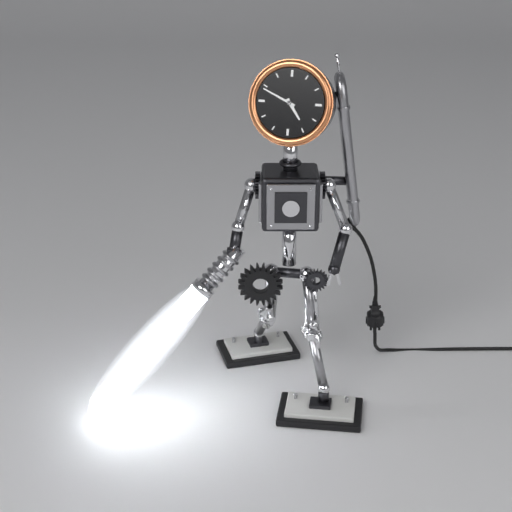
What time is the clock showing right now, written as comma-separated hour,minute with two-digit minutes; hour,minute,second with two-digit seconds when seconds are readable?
4,49
